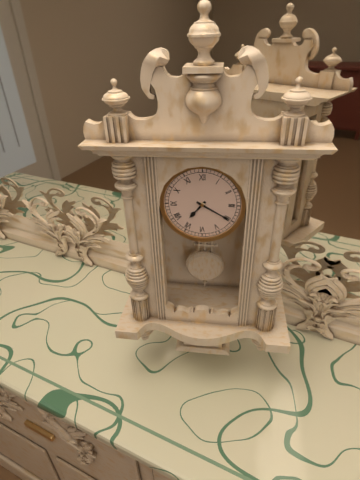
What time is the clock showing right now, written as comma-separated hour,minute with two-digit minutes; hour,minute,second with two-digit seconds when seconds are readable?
7,20
